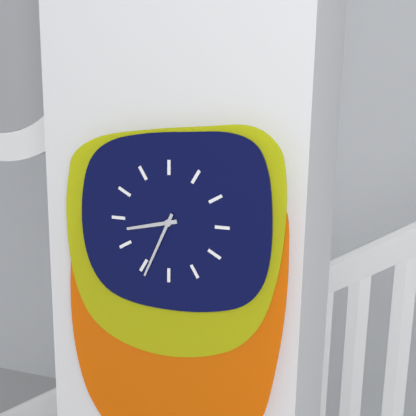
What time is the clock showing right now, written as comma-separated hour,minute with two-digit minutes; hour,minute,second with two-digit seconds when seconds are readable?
8,34
